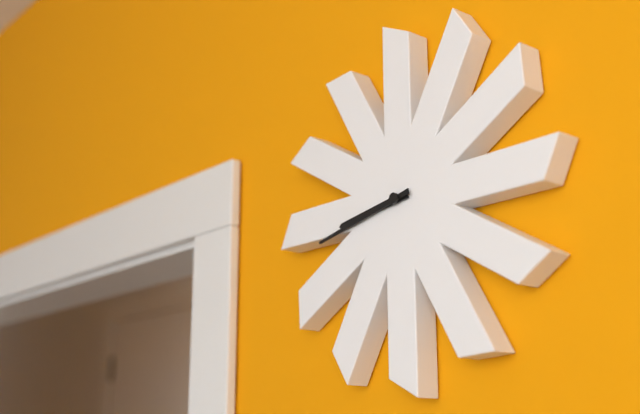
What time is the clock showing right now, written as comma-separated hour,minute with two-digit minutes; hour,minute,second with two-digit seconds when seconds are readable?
8,43
